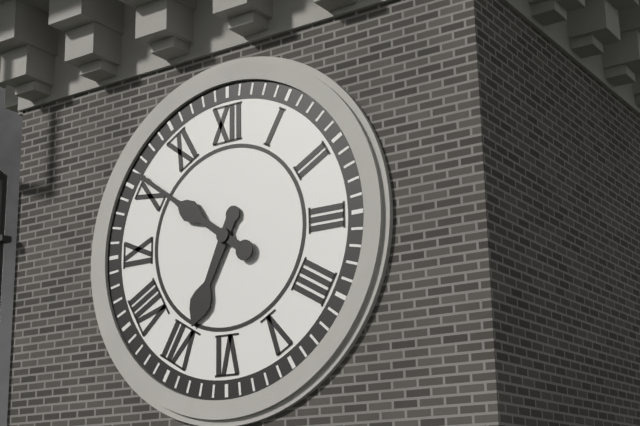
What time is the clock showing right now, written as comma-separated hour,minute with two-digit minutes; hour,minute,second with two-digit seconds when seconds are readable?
6,51
